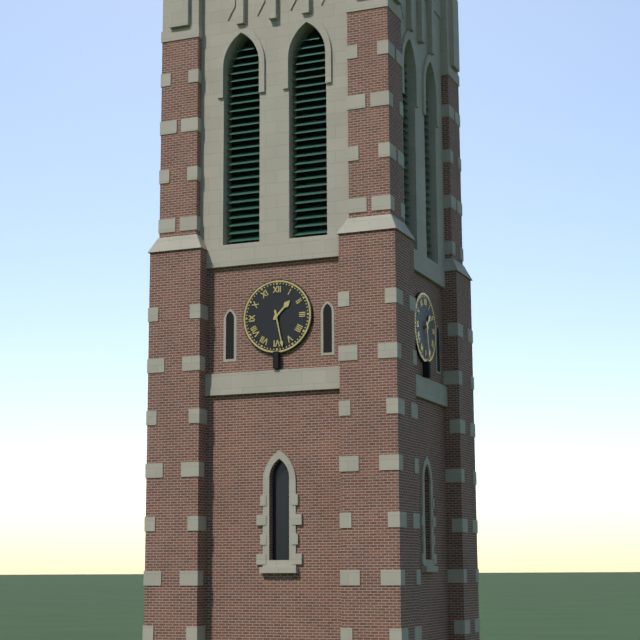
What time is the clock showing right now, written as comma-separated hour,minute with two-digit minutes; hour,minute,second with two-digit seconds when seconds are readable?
1,28
